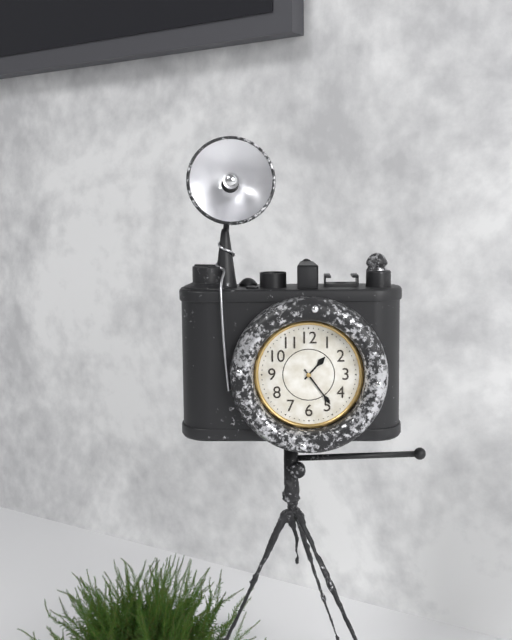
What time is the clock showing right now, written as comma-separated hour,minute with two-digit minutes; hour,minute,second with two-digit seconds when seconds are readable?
1,24
